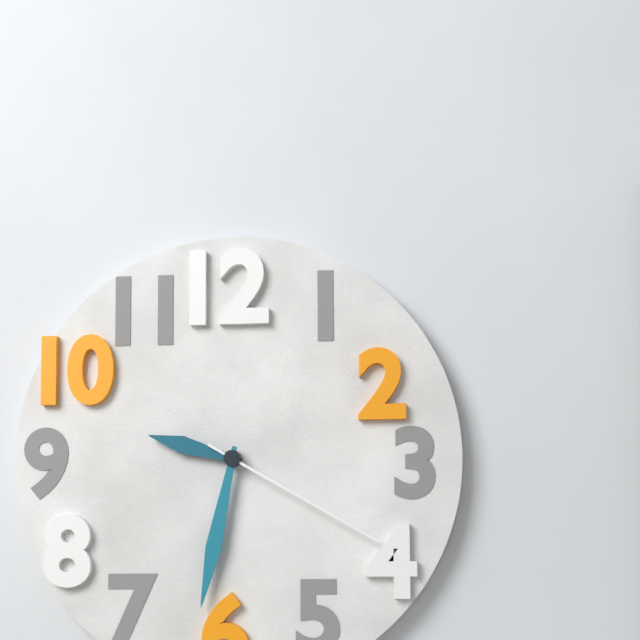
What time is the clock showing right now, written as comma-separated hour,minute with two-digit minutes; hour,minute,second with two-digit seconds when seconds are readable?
9,32,20
